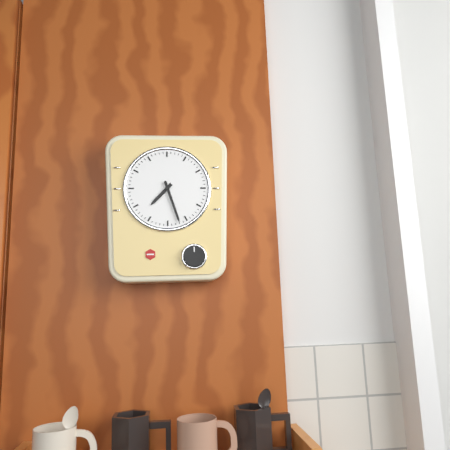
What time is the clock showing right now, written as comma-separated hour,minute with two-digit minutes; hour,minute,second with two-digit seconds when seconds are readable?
7,27
